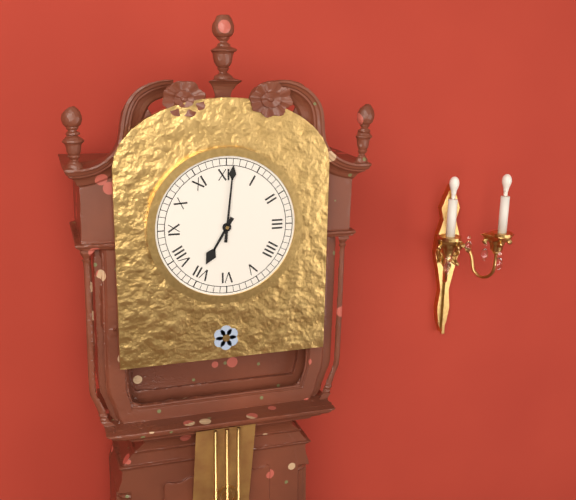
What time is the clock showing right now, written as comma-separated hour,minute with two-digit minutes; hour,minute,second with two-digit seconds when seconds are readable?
7,01
